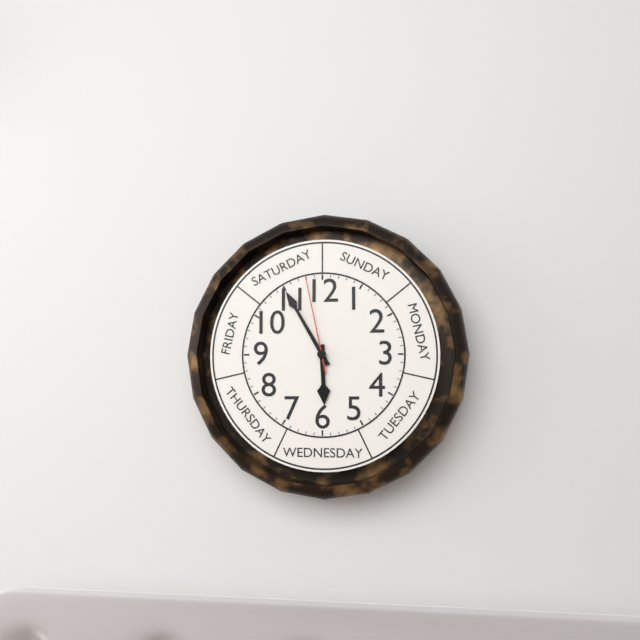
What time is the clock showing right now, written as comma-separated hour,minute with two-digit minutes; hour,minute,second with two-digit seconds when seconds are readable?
5,55,58
